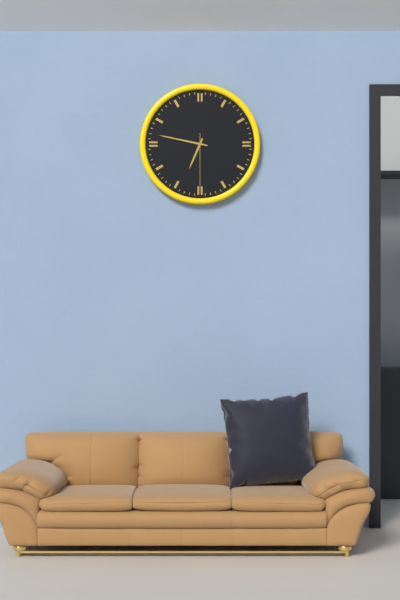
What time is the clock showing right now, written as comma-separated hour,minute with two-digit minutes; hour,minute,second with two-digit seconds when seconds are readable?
6,47,30
